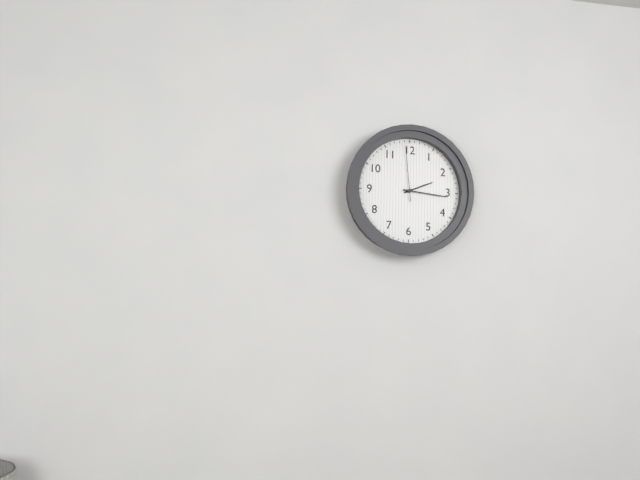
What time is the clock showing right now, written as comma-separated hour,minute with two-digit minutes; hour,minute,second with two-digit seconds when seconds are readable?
2,16,59
